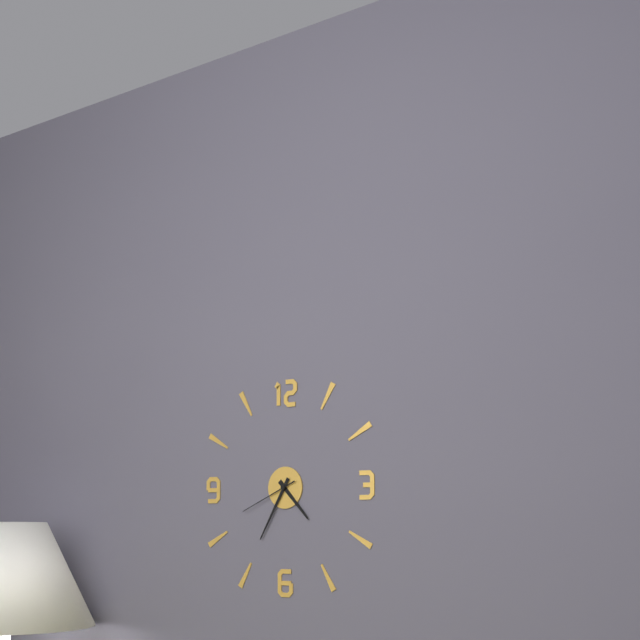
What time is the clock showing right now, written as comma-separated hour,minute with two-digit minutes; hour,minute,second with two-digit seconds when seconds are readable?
4,35,41
